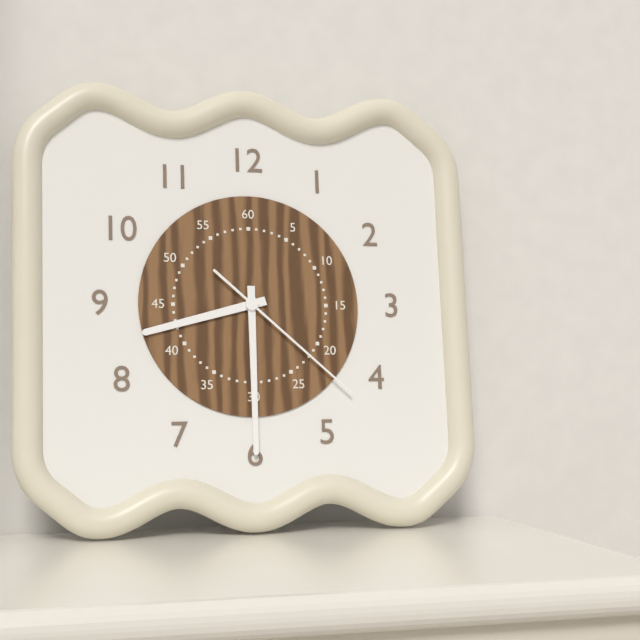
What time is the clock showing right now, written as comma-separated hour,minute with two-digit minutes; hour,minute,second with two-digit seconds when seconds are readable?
8,30,22
